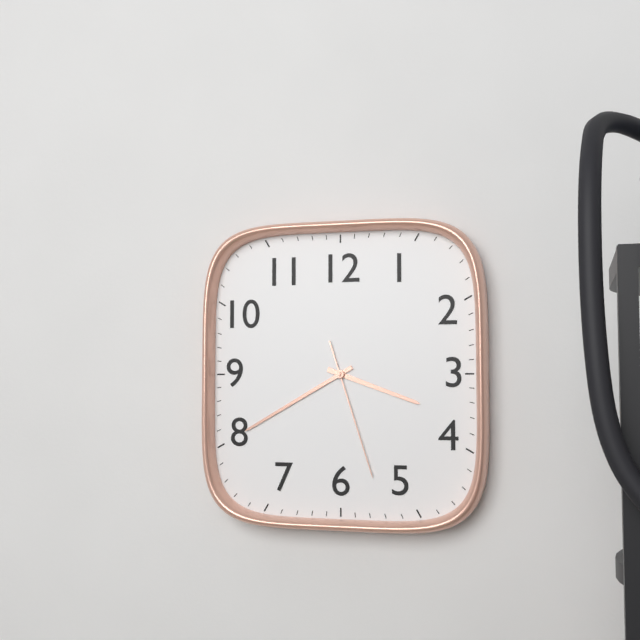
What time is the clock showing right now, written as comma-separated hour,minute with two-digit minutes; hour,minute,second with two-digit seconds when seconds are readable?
3,40,27
